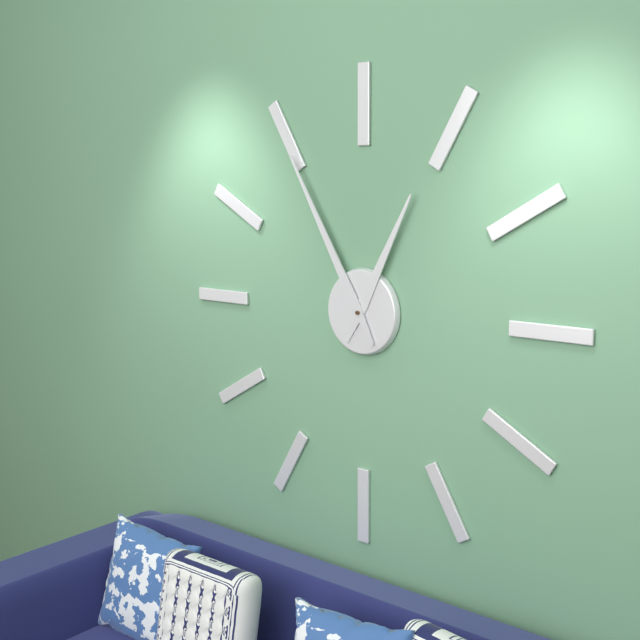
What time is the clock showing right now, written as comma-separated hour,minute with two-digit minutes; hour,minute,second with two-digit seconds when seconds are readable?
12,55
